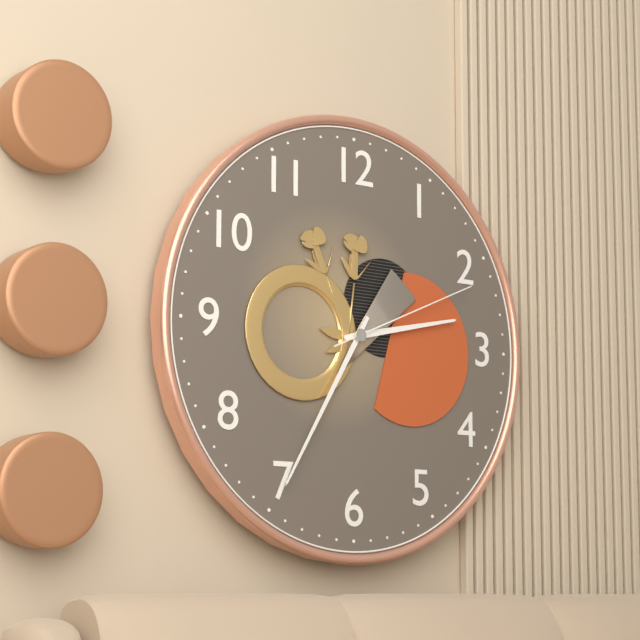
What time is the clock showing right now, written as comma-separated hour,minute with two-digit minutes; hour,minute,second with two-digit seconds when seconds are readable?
2,35,11
